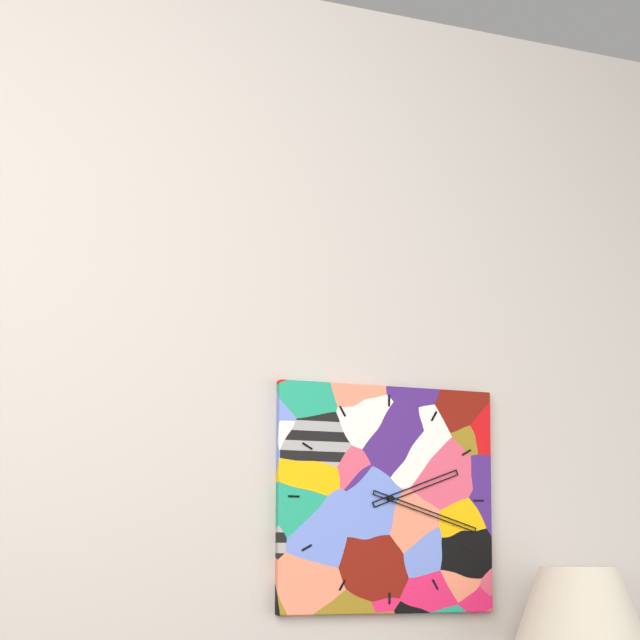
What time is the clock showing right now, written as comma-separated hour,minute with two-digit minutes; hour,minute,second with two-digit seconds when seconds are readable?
2,18
